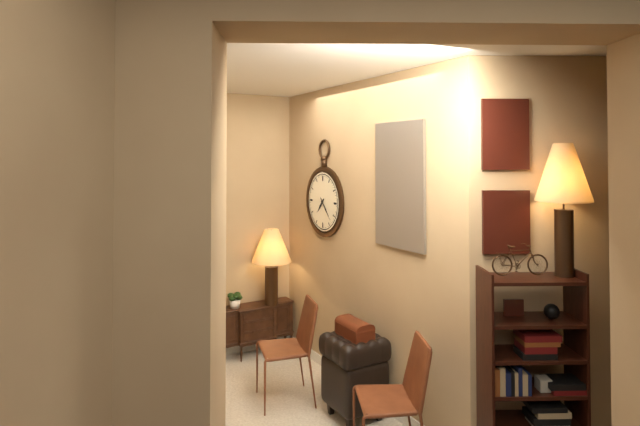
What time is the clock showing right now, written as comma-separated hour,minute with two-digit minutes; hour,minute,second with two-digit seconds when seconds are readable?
7,23
